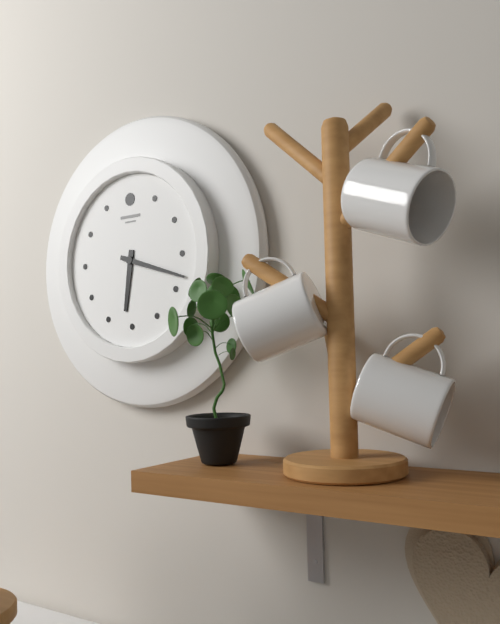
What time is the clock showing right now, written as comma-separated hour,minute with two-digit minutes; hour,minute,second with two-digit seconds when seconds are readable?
6,18
